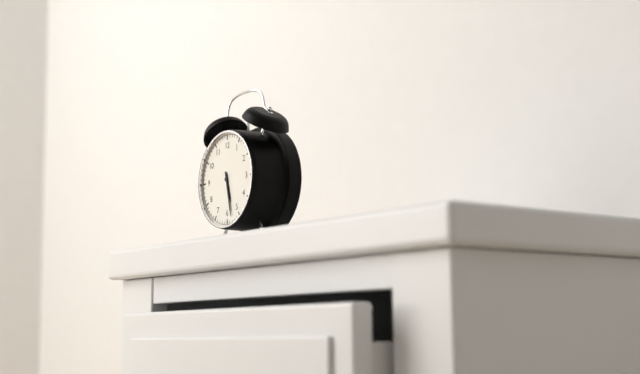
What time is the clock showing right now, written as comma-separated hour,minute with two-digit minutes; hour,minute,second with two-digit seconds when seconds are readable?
5,28
